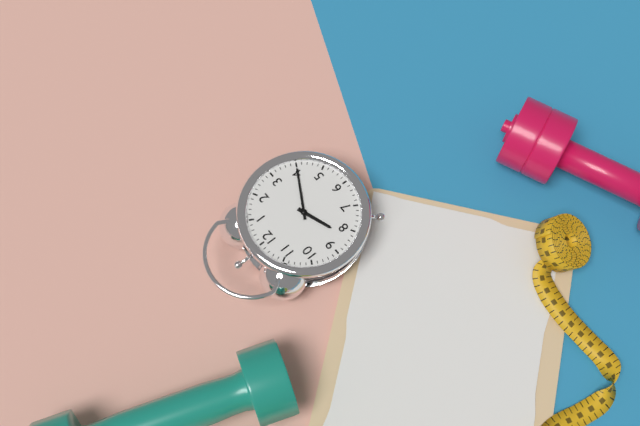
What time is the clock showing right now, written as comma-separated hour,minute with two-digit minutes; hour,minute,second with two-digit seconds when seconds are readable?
8,20
